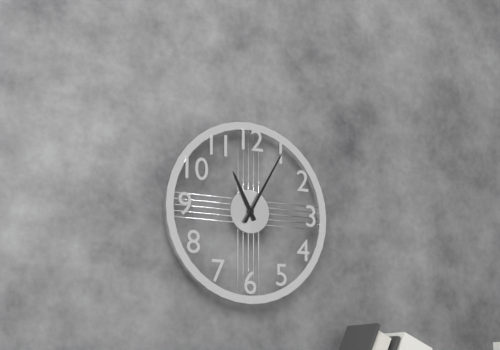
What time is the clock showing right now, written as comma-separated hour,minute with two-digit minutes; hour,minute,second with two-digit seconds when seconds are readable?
11,05
